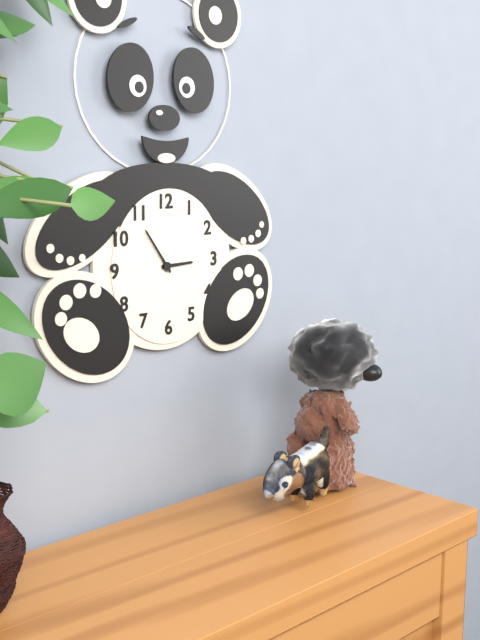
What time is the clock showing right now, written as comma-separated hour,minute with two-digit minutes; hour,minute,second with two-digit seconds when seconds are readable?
2,54
